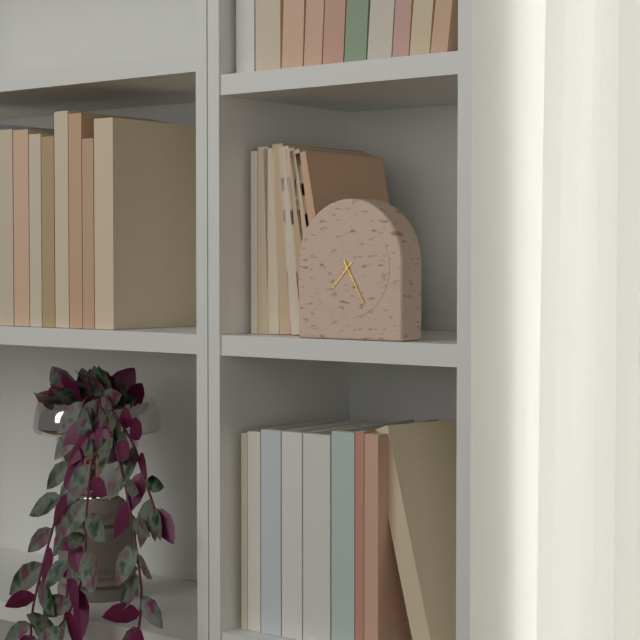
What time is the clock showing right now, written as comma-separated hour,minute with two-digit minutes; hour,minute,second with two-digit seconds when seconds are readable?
7,25
